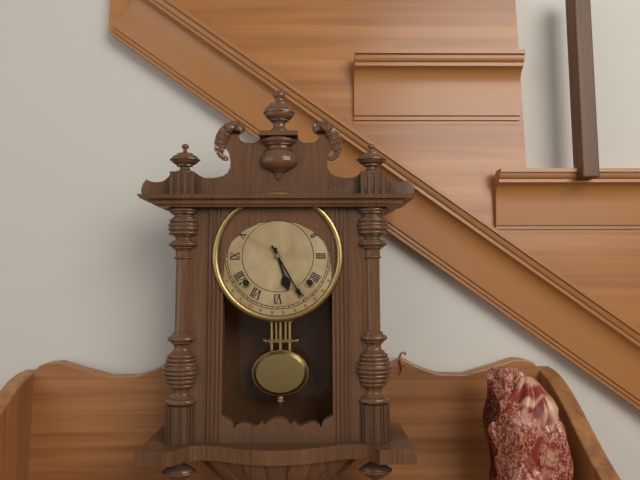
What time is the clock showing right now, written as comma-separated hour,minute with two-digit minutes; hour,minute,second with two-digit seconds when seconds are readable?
5,25
